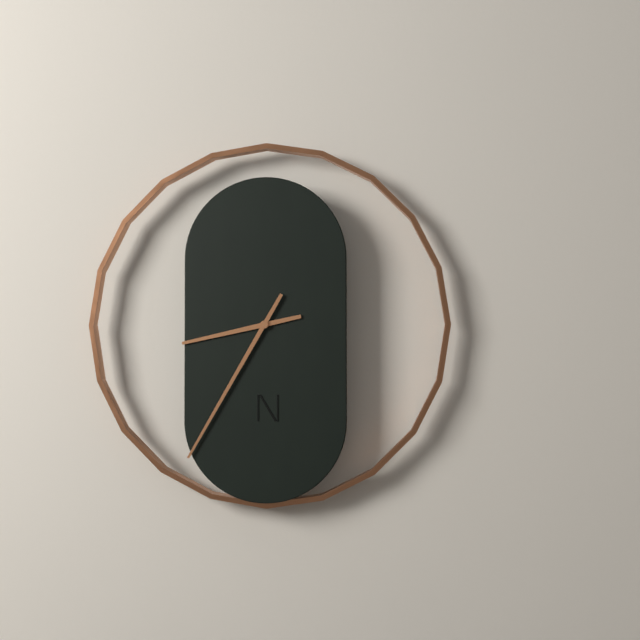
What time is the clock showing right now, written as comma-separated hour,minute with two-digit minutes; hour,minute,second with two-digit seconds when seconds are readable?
8,35
